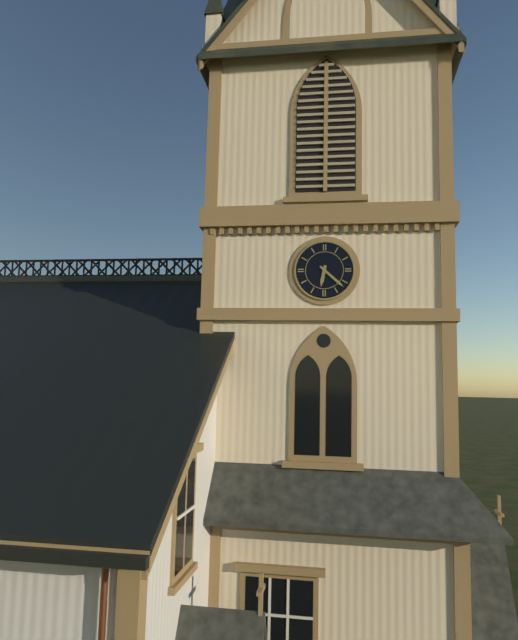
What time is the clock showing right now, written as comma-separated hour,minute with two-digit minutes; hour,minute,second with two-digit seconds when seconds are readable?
6,22
